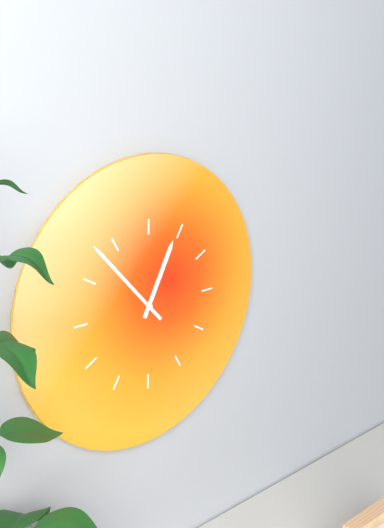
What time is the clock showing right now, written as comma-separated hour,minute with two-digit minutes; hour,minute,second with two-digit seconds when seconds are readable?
12,53
